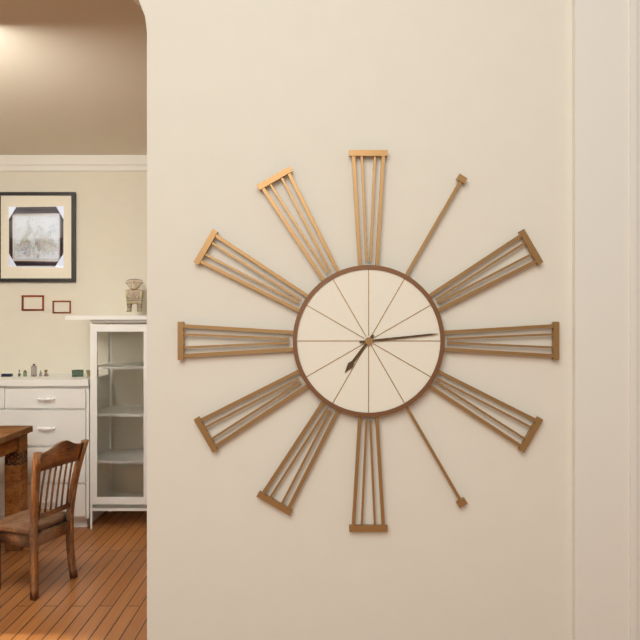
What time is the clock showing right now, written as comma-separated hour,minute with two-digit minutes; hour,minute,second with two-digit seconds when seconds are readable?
7,14
